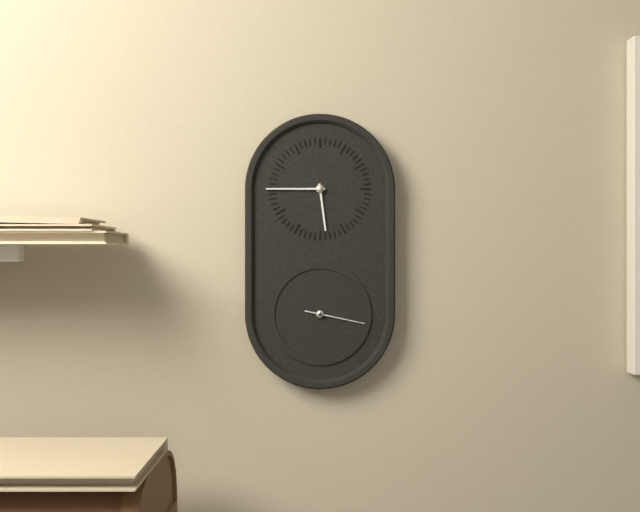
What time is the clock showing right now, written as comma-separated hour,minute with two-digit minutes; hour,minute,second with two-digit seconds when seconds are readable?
5,45,17
